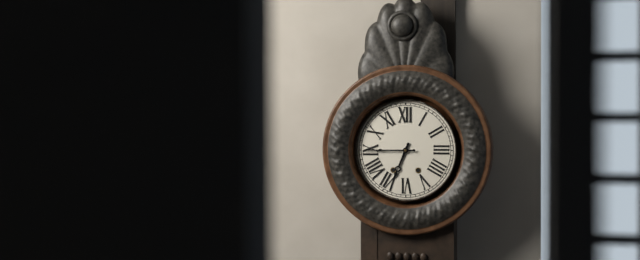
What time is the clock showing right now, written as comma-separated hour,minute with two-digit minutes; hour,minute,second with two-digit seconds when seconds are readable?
6,45
